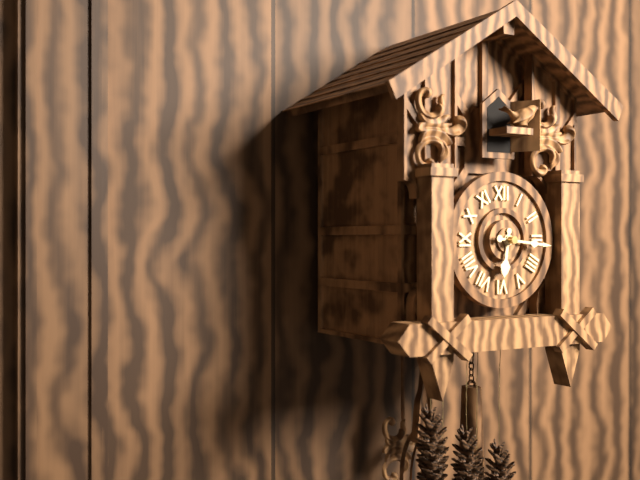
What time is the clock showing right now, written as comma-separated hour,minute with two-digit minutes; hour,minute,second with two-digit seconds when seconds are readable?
6,16
